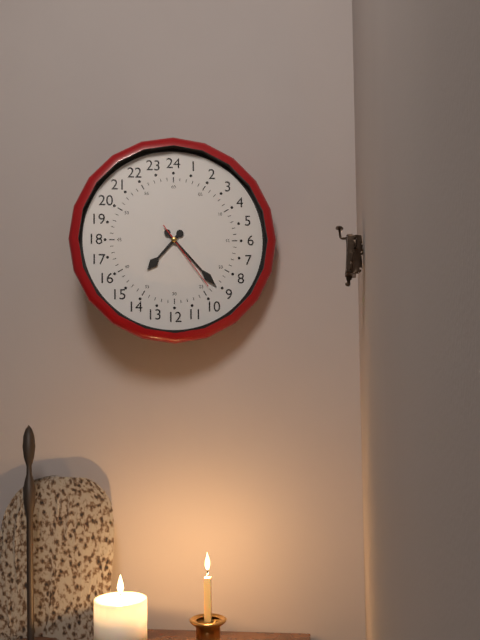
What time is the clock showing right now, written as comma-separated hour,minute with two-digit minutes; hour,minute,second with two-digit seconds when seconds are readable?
7,23,24
